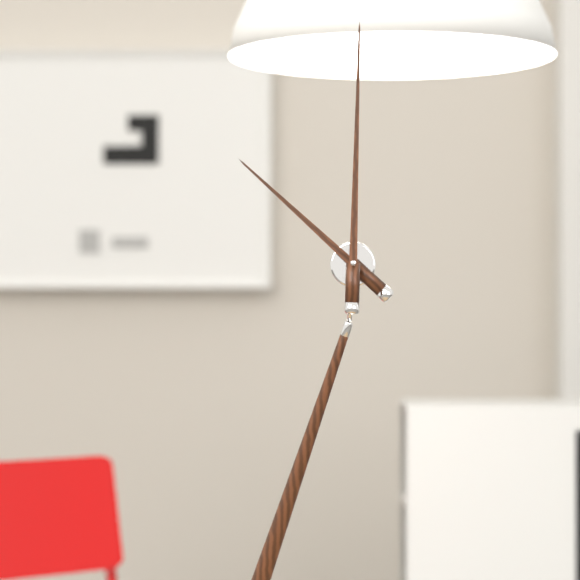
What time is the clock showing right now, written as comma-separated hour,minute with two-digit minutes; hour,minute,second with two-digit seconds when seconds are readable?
9,58
